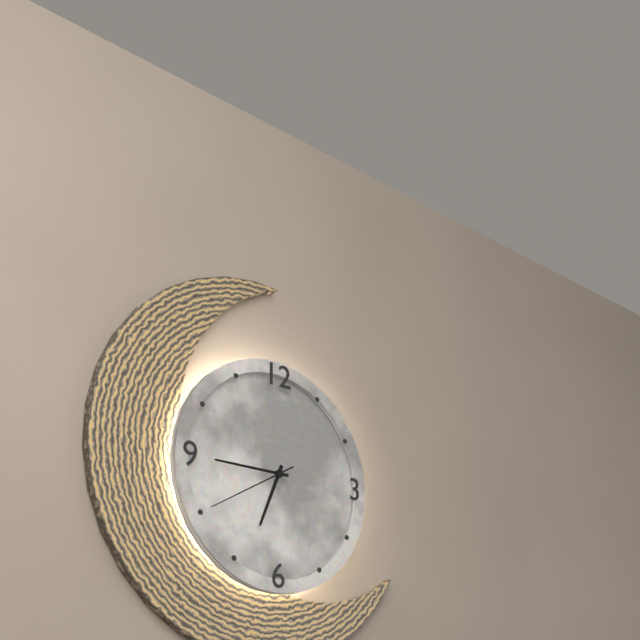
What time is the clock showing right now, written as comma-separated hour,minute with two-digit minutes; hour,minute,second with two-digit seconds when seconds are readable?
6,45,40
